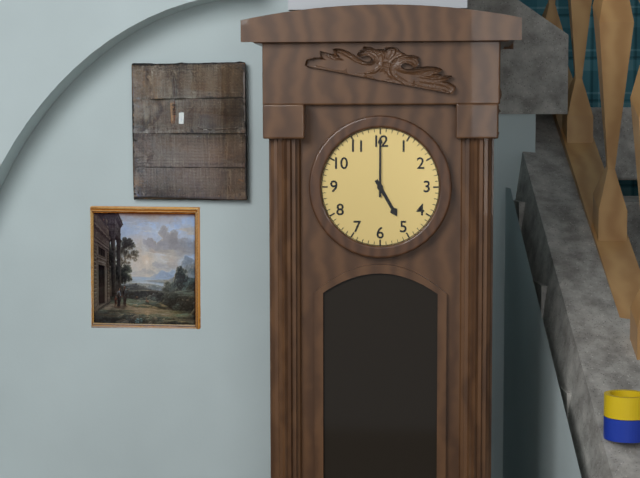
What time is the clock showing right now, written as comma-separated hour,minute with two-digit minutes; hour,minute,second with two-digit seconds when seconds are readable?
5,00
